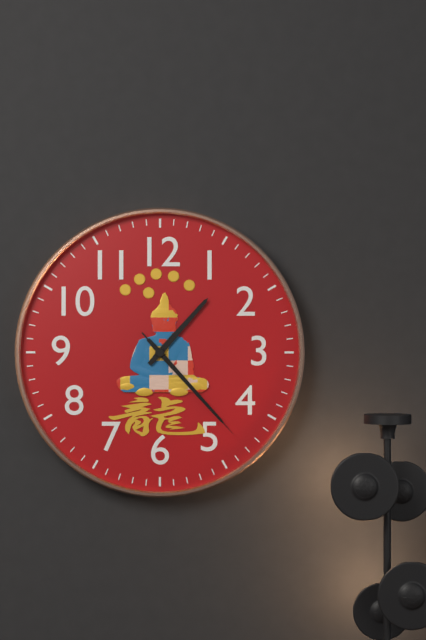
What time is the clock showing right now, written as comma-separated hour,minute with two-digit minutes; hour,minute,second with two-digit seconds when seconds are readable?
1,23,23
